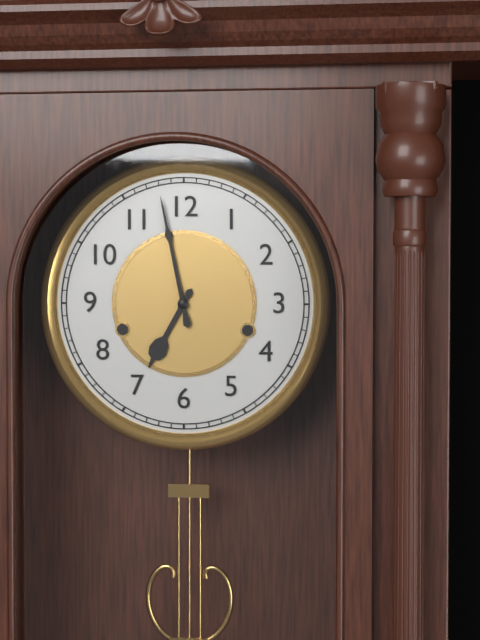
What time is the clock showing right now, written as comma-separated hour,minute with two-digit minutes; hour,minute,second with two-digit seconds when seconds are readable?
6,58
